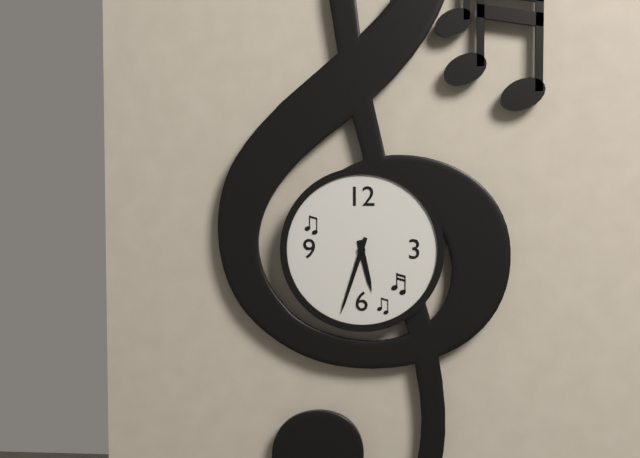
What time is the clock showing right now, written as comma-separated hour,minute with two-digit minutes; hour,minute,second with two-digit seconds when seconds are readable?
5,33
